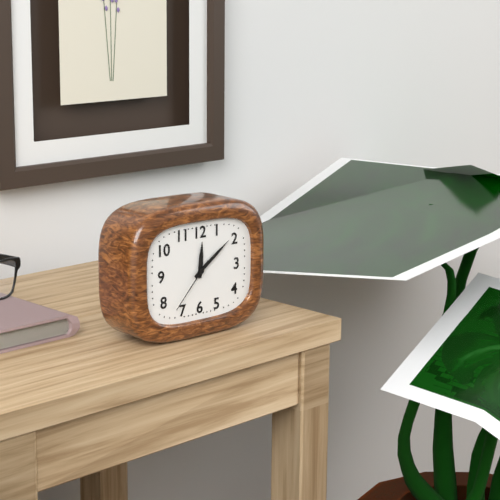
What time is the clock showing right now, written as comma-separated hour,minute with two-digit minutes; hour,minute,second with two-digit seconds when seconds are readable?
12,09,37
